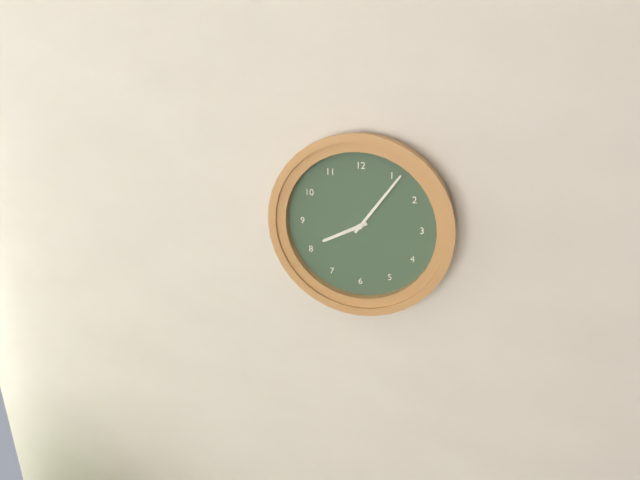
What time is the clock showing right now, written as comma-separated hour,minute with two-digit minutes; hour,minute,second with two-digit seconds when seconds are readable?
8,06
